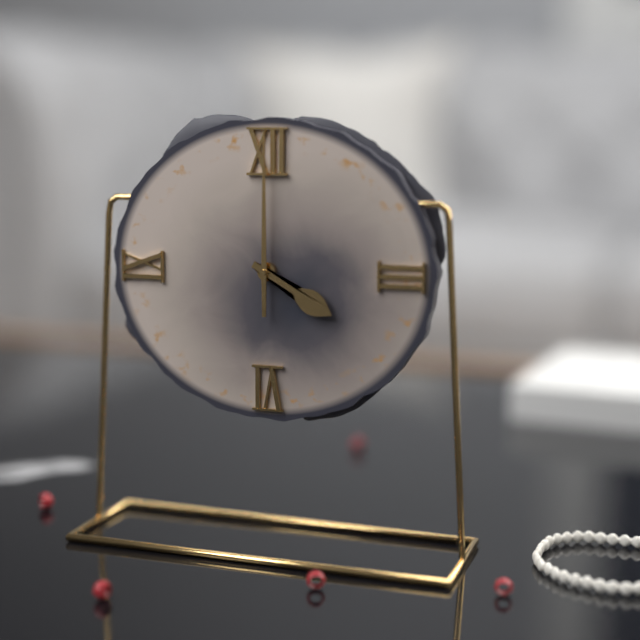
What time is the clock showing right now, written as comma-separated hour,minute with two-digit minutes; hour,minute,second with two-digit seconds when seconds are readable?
4,00
